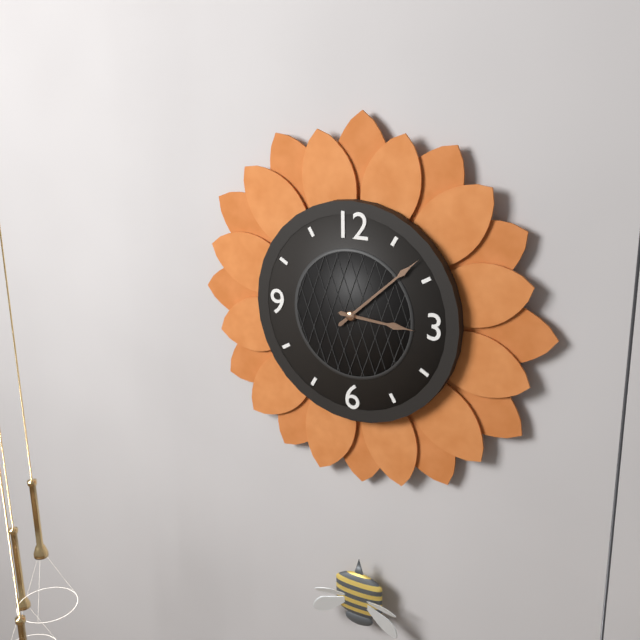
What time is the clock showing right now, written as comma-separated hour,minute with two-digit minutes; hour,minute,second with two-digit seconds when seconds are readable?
3,08
